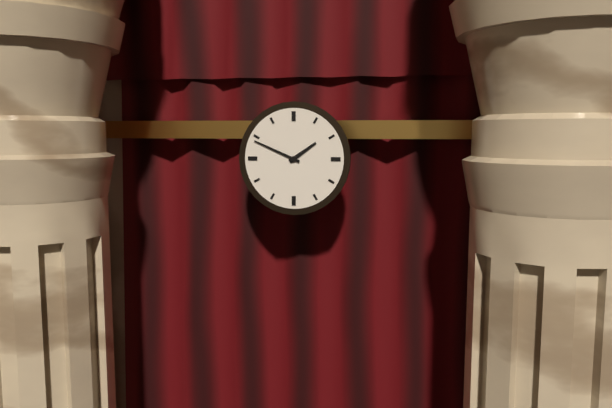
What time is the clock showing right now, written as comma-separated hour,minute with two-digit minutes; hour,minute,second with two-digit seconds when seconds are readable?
1,49
